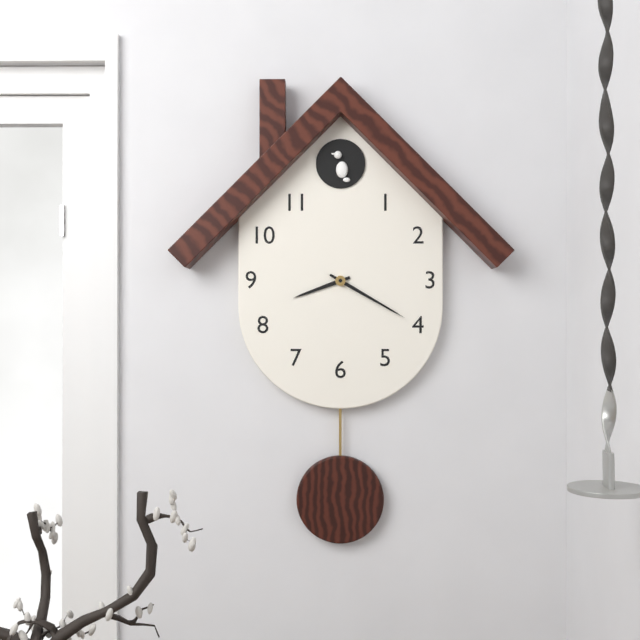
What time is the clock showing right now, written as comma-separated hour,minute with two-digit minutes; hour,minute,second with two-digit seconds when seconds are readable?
8,20
